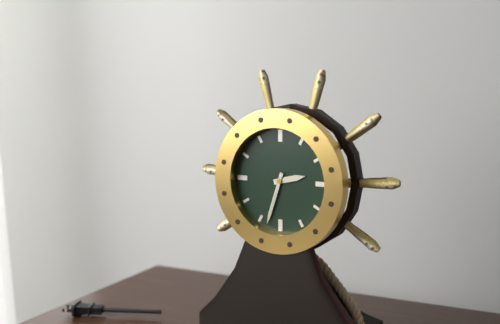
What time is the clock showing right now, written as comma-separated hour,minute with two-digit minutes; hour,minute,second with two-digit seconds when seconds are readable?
2,33
